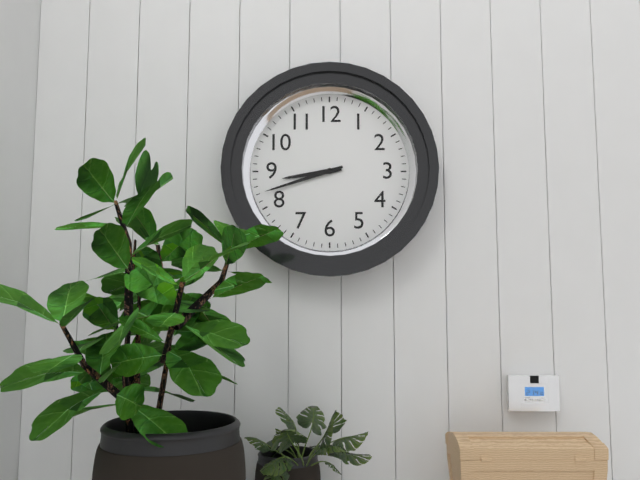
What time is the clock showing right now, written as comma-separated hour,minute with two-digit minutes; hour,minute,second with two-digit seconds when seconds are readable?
8,42
